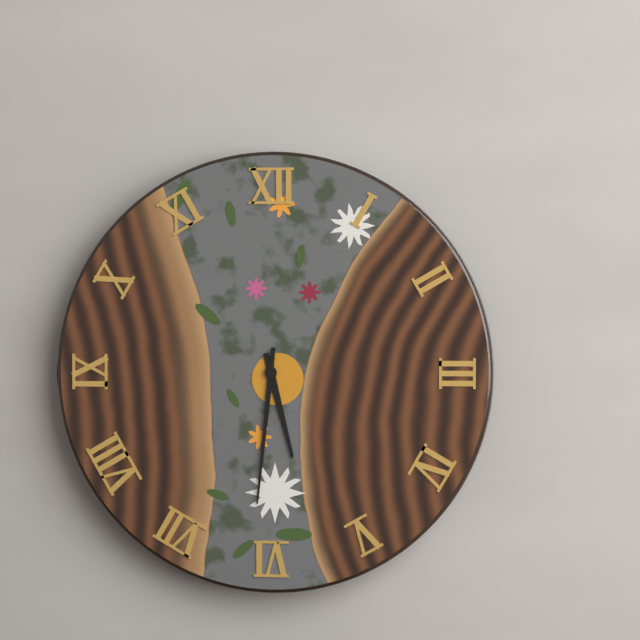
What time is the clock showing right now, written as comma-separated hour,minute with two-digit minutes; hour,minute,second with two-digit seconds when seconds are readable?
5,31
